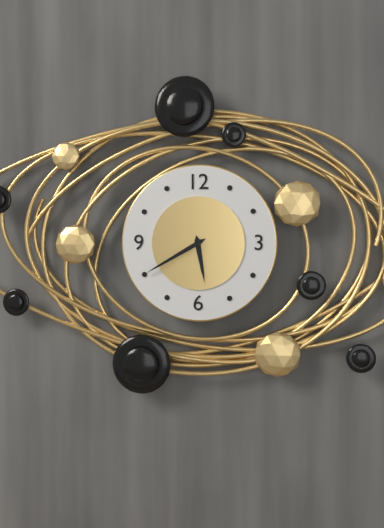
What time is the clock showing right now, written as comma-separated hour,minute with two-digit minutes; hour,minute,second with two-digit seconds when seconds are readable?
5,40
